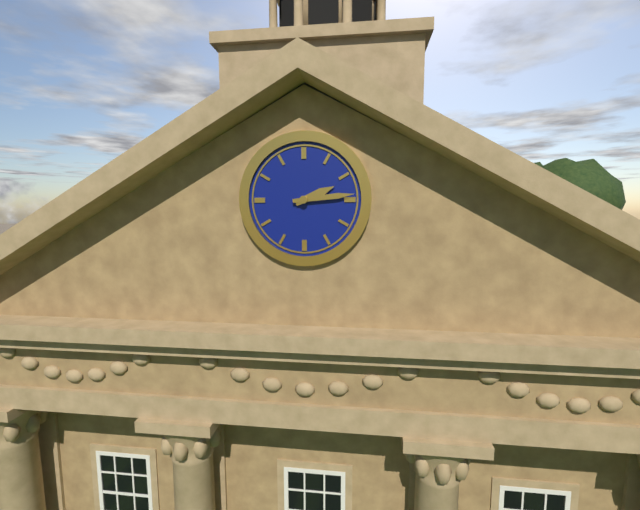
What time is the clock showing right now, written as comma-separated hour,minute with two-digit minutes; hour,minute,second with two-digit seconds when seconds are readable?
2,14
